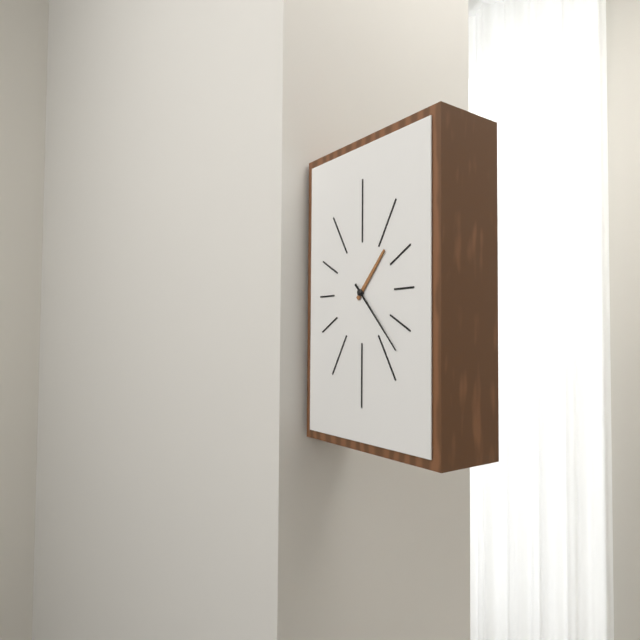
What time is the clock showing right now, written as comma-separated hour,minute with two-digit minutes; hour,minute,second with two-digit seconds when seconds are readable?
1,23
